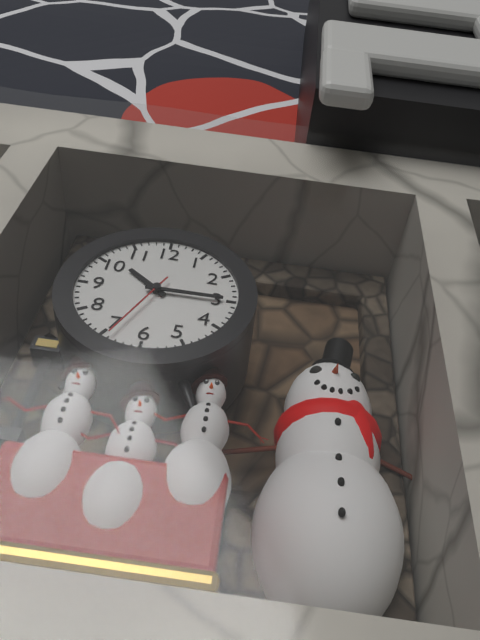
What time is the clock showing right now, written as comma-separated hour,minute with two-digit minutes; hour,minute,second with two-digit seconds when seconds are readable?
10,15,34
